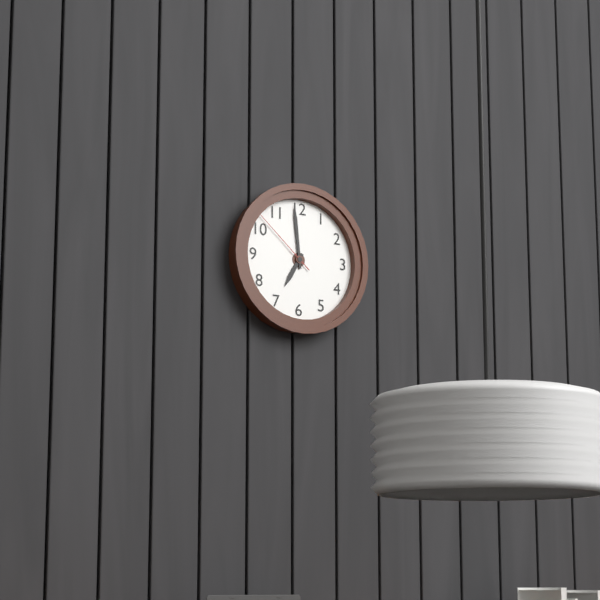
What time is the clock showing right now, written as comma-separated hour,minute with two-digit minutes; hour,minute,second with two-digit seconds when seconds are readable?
6,59,52
